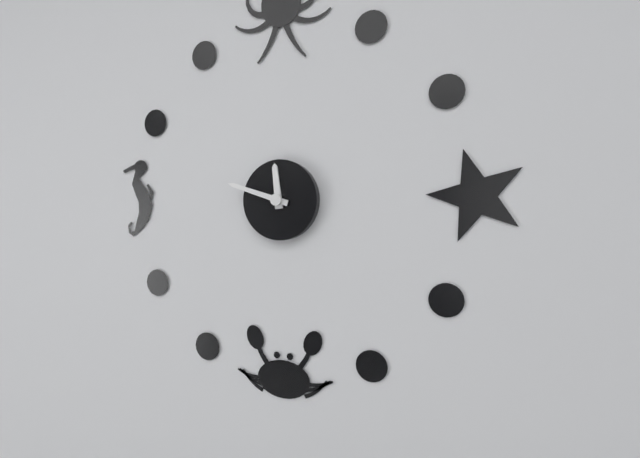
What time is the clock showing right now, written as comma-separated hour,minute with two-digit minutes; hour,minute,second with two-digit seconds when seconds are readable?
11,48
